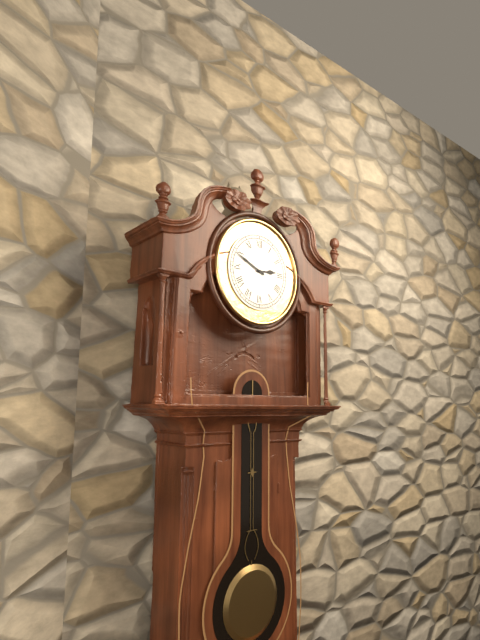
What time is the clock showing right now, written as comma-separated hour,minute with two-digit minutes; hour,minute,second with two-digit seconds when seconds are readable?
2,49
